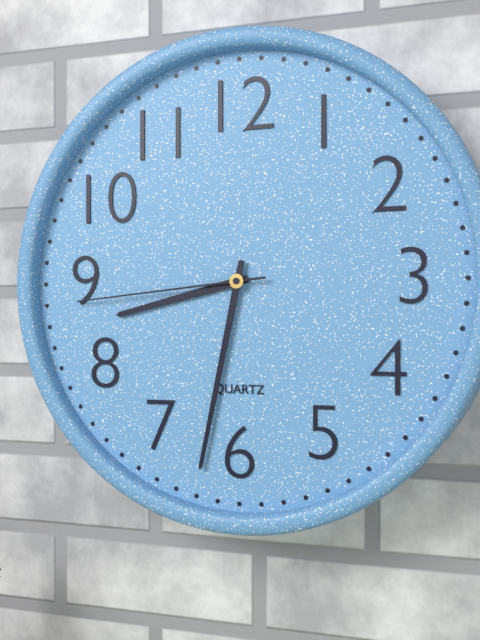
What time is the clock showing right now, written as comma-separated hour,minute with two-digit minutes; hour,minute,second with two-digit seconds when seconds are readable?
8,32,44
